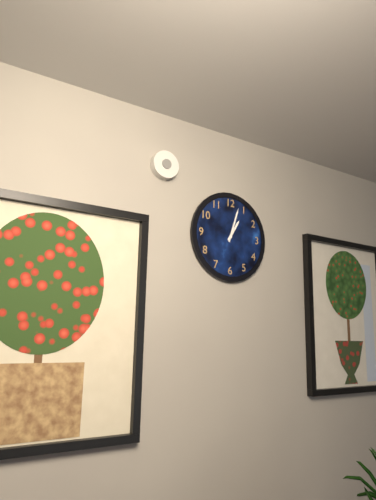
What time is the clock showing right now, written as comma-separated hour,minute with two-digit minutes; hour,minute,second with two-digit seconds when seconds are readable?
1,03
